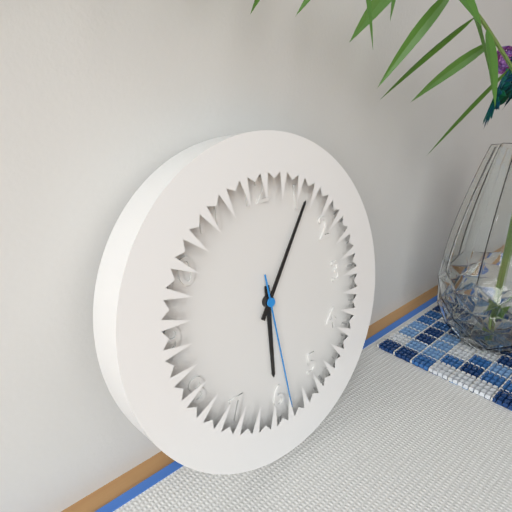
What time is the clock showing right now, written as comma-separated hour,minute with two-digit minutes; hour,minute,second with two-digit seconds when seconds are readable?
6,06,29
